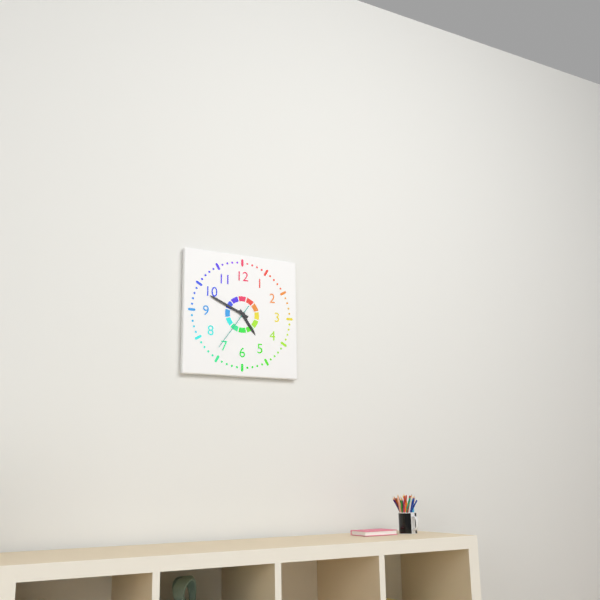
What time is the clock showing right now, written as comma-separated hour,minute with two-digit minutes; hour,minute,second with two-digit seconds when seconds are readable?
4,49,36
